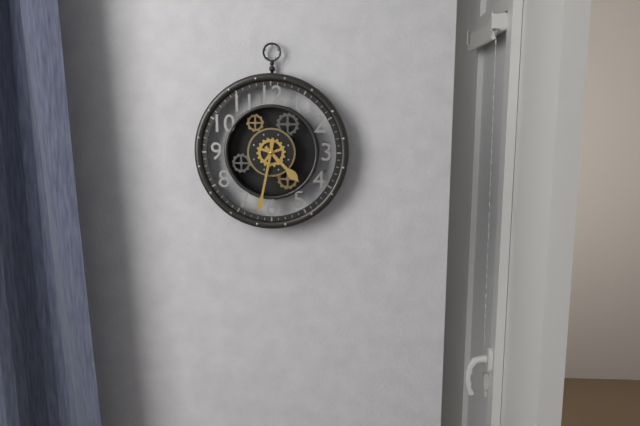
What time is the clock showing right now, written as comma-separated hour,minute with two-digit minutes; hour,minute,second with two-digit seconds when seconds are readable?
4,32
